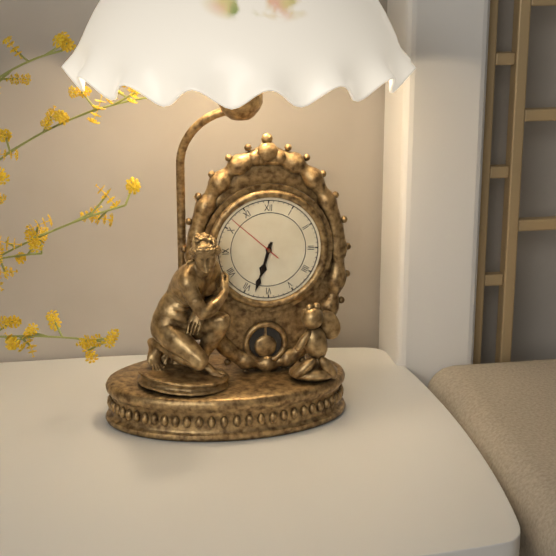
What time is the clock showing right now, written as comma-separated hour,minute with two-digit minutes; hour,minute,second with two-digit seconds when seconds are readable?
6,33,52
